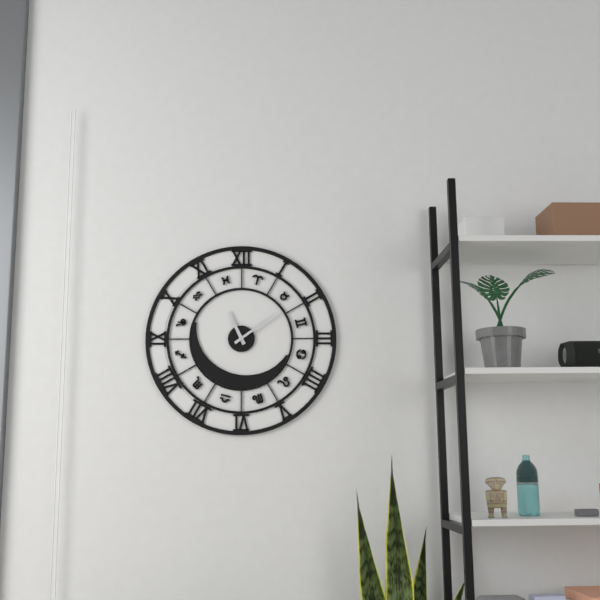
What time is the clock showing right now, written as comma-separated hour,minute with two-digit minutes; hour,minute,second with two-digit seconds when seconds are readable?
11,09
